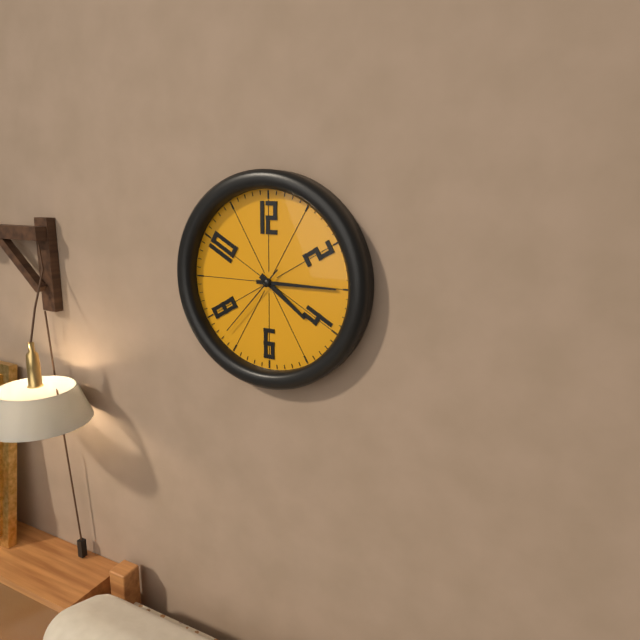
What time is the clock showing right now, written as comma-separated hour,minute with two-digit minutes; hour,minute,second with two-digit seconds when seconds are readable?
4,15,37
